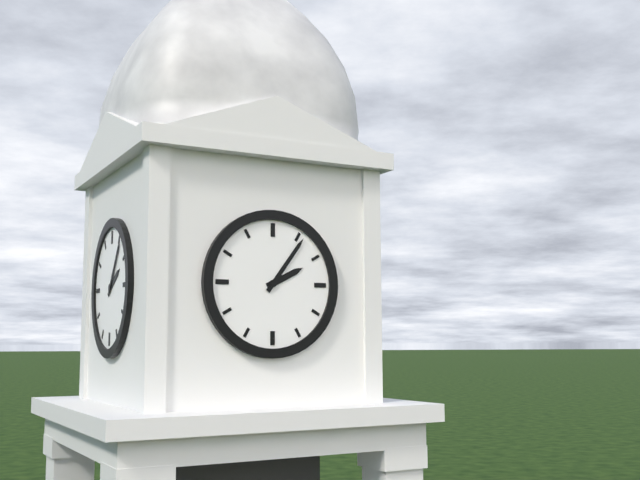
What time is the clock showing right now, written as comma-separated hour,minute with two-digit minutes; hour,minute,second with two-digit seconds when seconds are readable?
2,06
